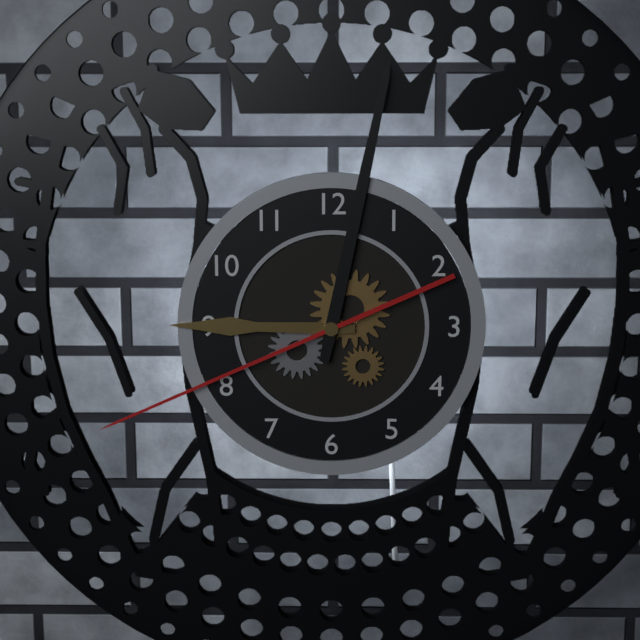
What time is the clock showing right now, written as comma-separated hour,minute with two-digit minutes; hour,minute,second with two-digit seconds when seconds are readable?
9,02,41
